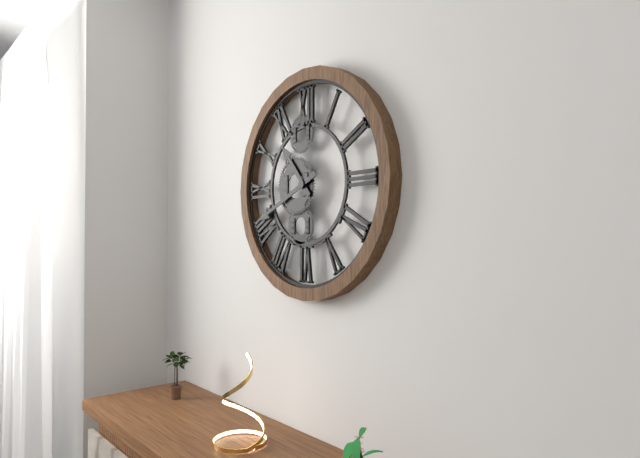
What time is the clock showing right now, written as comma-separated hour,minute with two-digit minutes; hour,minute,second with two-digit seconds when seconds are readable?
10,41
